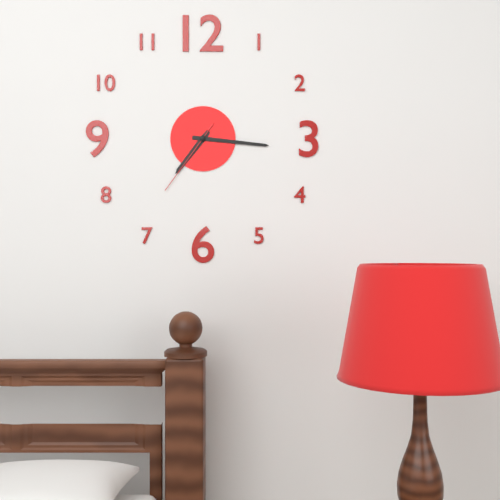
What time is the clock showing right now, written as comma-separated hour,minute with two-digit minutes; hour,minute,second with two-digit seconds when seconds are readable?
7,16,36
